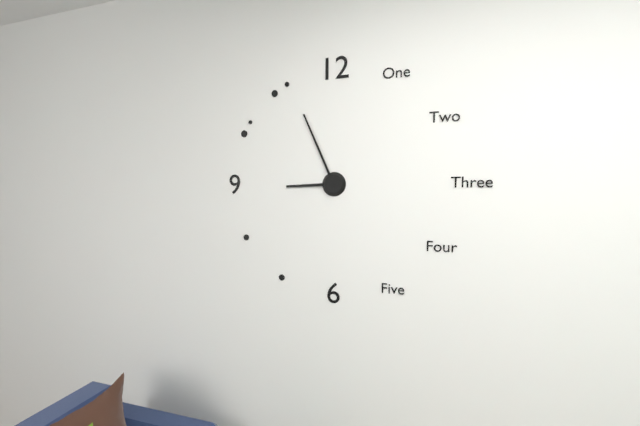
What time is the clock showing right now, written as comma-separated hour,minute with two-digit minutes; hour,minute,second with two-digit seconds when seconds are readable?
8,56
